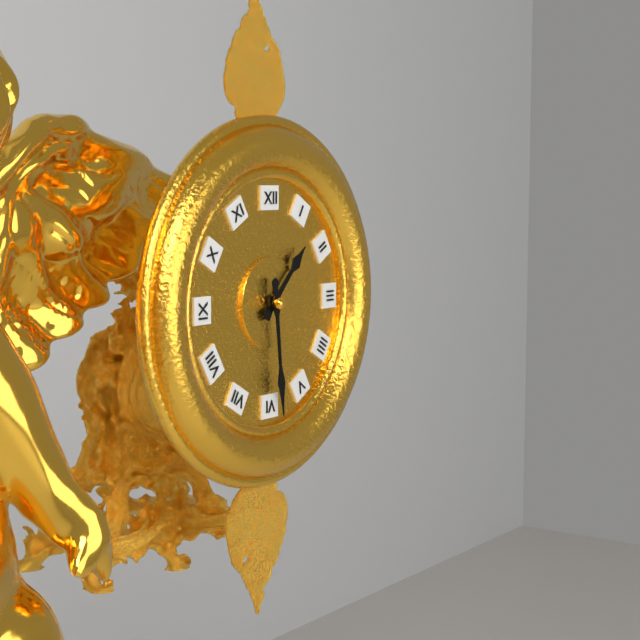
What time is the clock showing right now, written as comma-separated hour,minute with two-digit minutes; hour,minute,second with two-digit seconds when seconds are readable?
1,29
